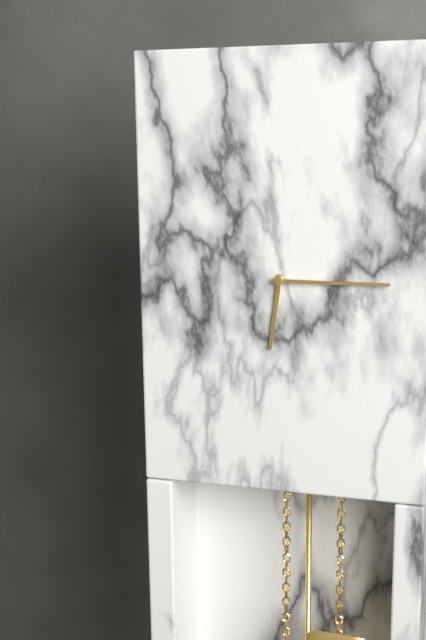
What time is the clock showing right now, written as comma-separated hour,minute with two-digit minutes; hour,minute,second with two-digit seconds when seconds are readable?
6,15
